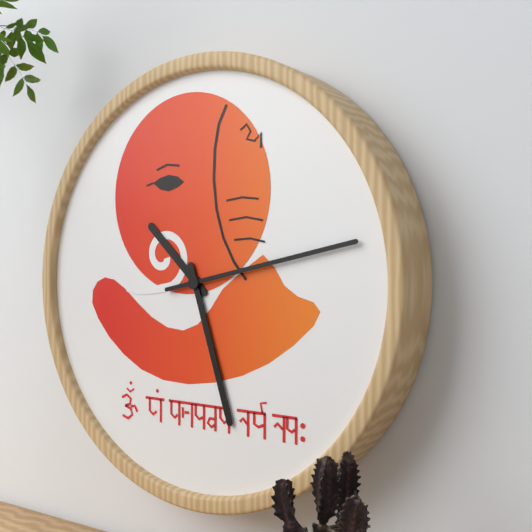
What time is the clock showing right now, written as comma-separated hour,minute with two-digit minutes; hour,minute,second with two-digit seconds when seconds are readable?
10,27,13
